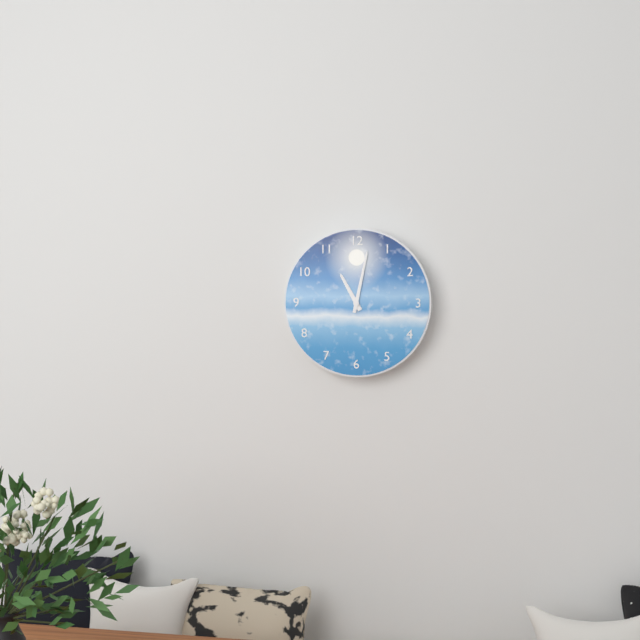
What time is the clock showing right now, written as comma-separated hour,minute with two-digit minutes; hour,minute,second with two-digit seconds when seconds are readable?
11,02
